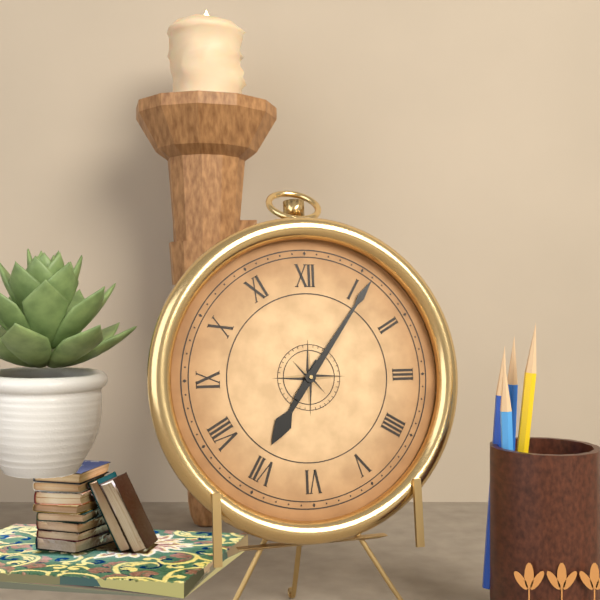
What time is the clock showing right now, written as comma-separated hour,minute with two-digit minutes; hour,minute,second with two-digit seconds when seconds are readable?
7,06
